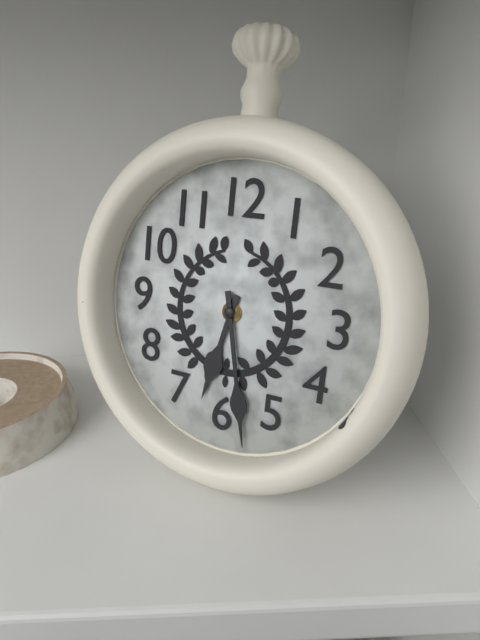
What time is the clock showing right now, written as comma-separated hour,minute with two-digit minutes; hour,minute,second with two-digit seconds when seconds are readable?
6,28
